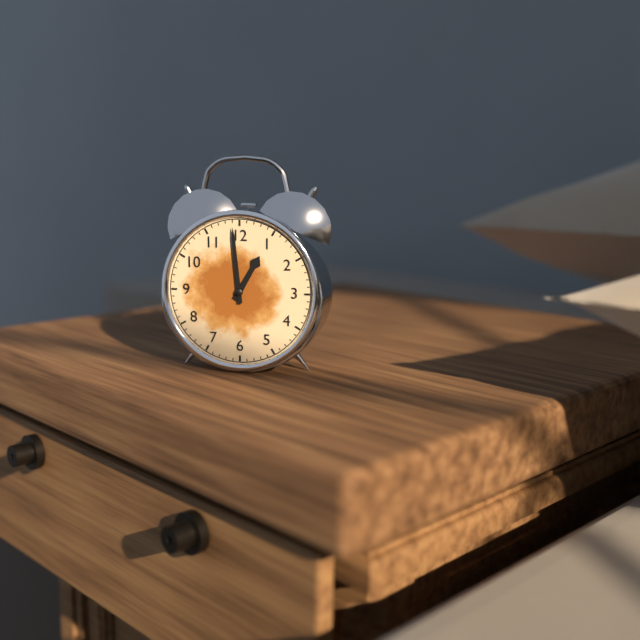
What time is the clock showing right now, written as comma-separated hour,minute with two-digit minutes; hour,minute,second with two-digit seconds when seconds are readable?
12,59
